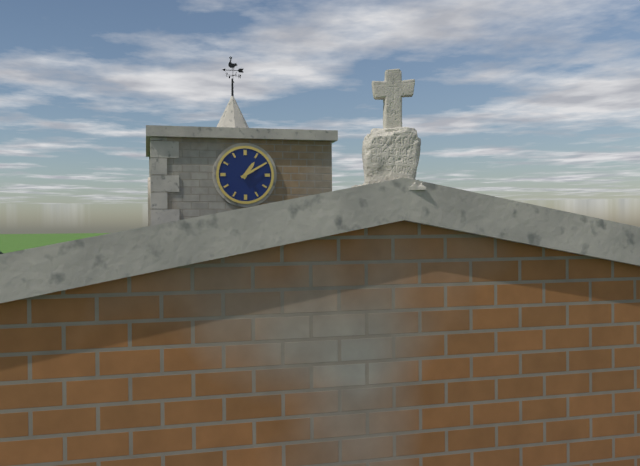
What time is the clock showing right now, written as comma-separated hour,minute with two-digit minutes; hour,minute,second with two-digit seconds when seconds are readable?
1,10
